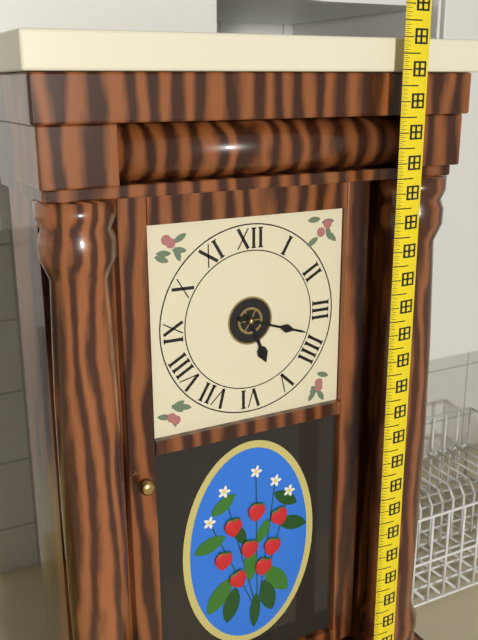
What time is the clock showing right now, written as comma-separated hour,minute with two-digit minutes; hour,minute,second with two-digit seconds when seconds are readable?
5,18
